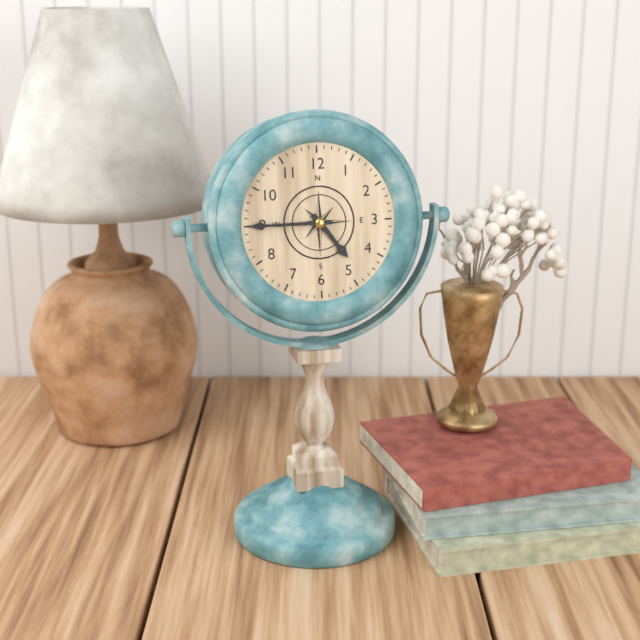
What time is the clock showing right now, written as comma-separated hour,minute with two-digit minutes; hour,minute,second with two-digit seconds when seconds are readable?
4,45
